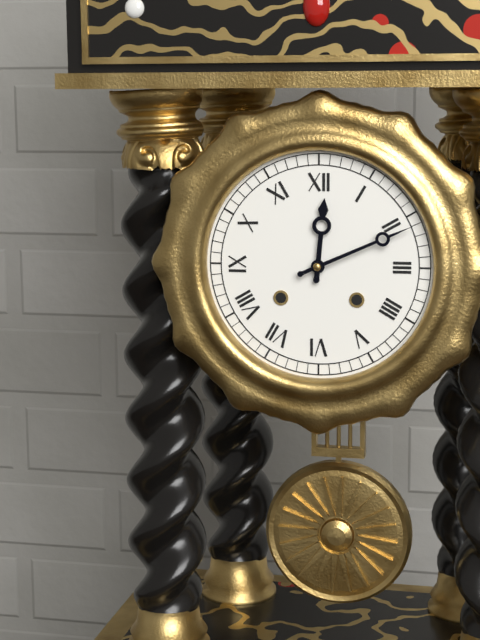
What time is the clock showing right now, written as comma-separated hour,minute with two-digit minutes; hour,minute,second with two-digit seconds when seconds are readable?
12,11
